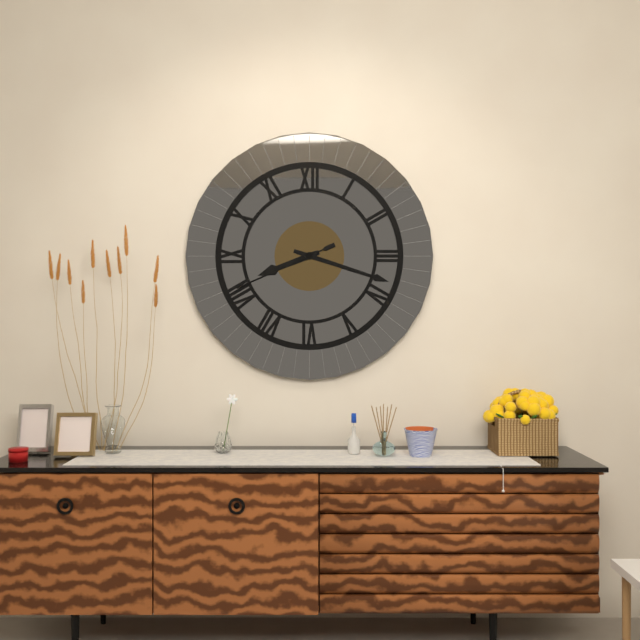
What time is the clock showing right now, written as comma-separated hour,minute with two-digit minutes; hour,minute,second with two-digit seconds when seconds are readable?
8,18,41
